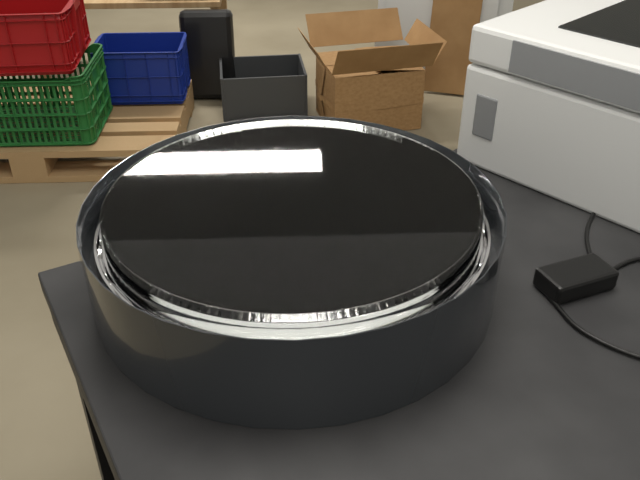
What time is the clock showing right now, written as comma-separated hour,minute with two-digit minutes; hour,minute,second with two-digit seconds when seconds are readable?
10,52
